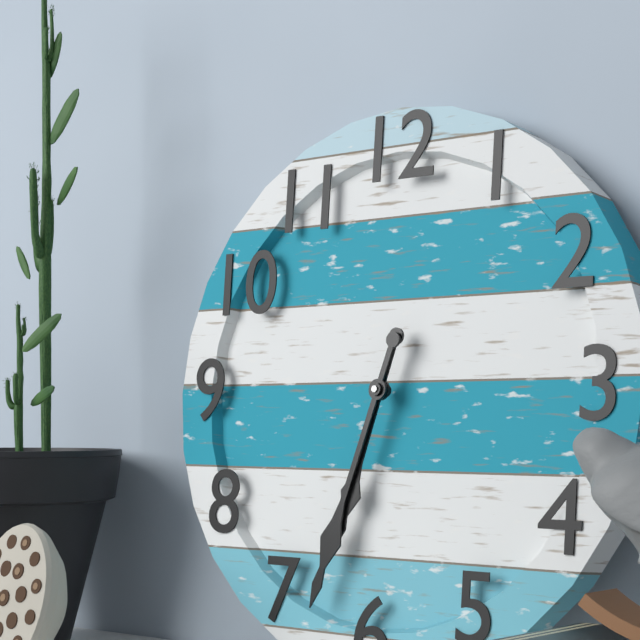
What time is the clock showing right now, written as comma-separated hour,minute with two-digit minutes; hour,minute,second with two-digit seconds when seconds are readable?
6,33
